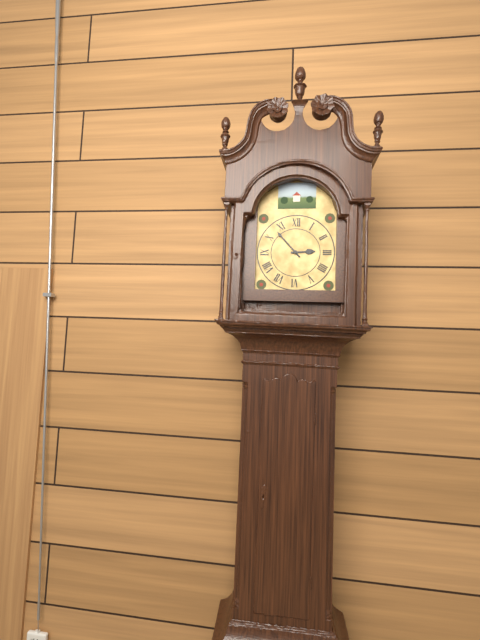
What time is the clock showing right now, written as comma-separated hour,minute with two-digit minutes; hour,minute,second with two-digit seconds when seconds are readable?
2,53
